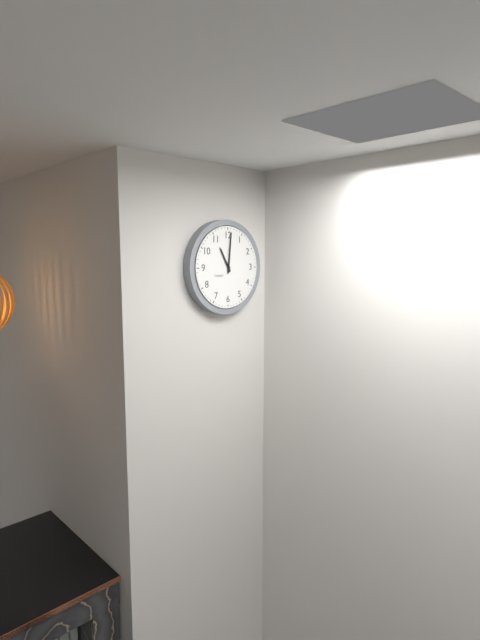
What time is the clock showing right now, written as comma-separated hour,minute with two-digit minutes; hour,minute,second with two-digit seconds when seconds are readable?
11,01
